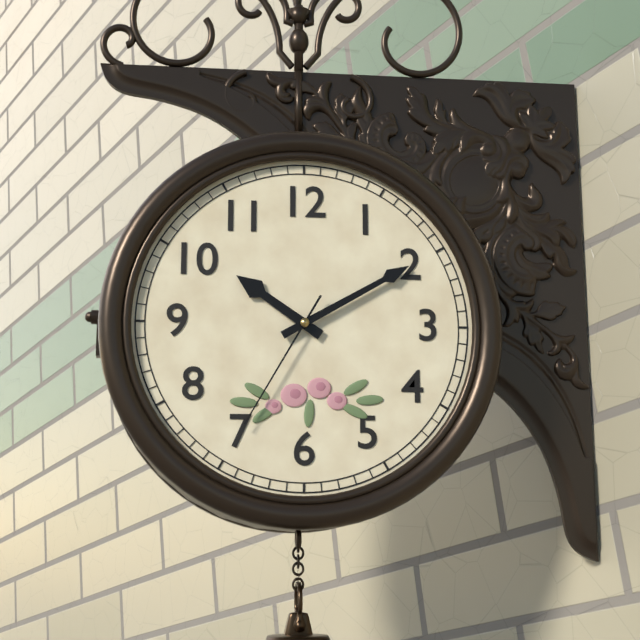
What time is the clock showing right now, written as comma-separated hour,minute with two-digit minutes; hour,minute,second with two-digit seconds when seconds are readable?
10,10,35
